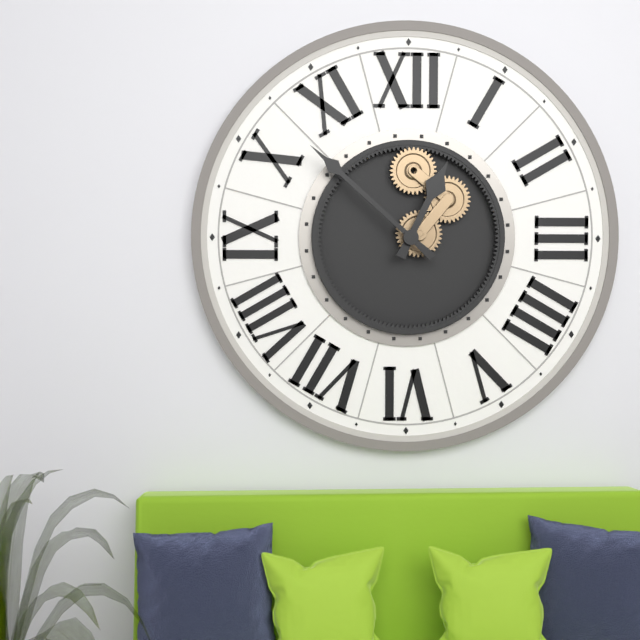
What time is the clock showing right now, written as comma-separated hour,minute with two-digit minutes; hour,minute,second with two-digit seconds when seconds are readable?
12,52
